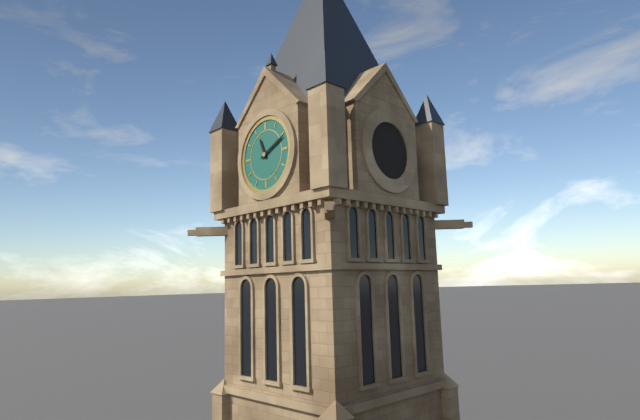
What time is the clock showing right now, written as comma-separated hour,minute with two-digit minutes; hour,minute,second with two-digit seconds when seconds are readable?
11,11
